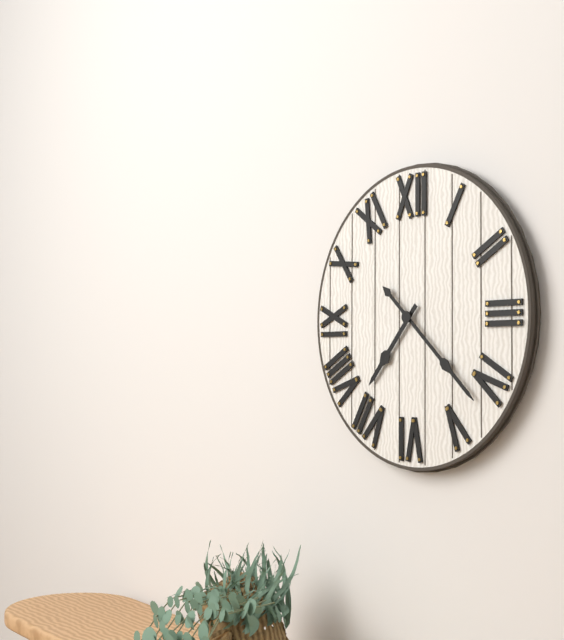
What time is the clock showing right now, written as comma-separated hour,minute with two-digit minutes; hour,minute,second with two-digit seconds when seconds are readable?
7,22
